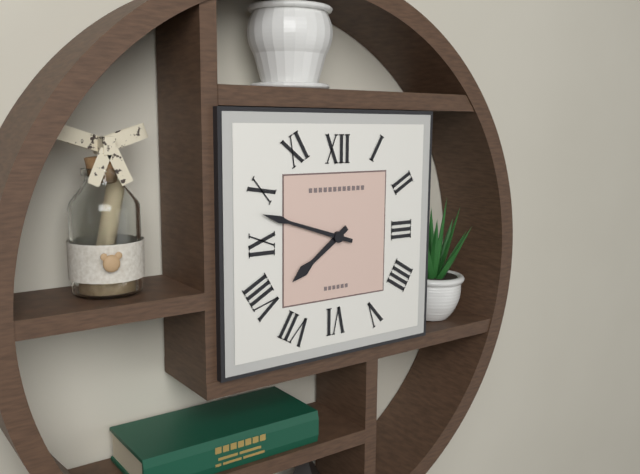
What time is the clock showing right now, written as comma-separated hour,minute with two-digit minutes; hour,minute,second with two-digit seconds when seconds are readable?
7,48
